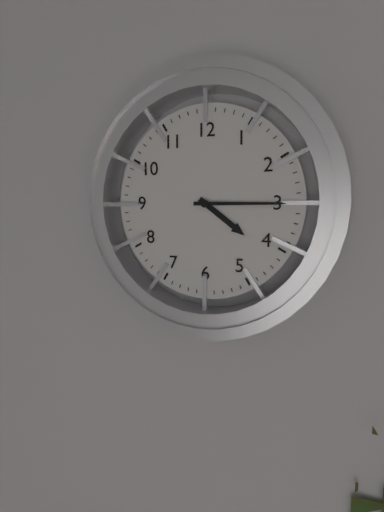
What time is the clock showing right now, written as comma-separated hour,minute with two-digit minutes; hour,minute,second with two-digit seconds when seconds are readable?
4,15
